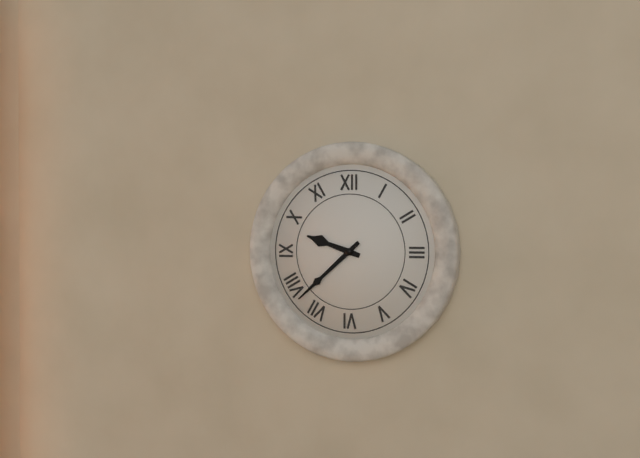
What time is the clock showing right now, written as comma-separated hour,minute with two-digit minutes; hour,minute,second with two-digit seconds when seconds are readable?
9,38
